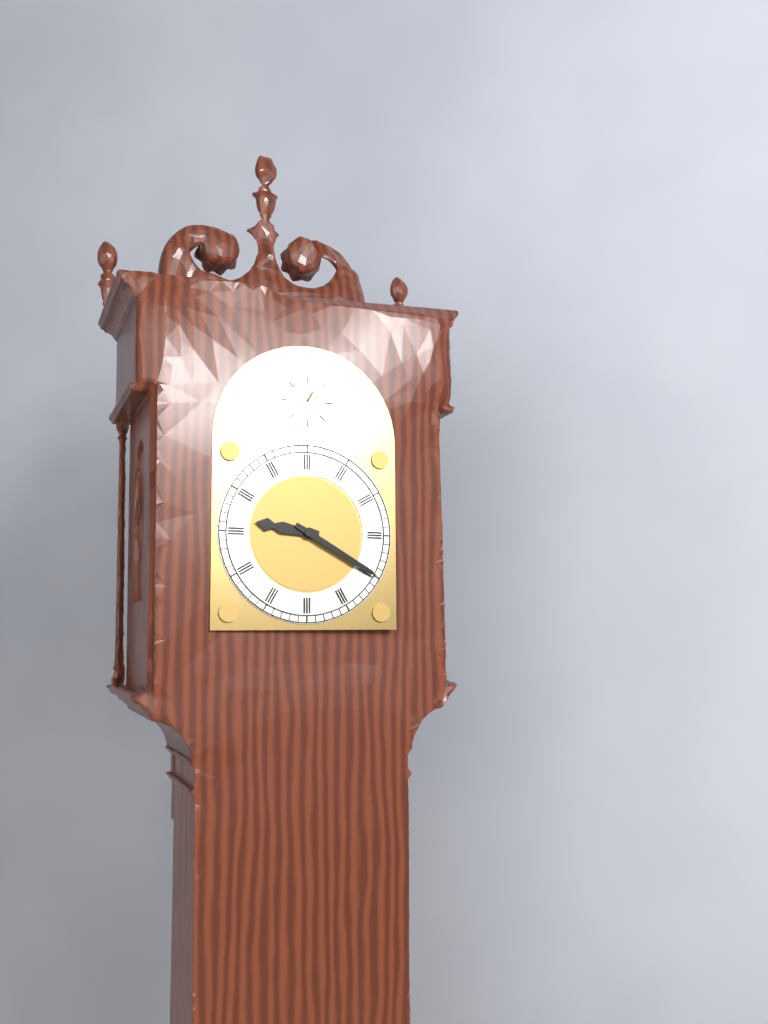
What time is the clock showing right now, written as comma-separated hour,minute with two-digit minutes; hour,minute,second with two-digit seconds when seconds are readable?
9,20
